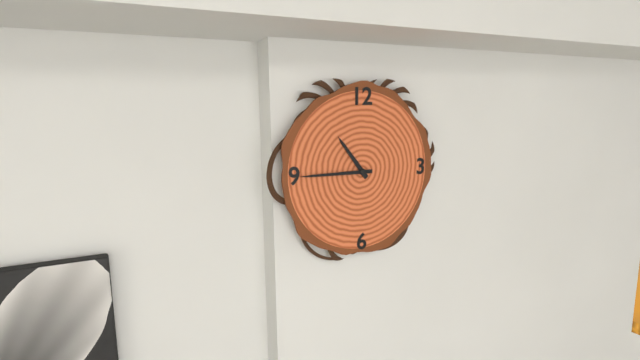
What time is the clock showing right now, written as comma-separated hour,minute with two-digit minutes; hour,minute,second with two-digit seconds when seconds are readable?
10,45
